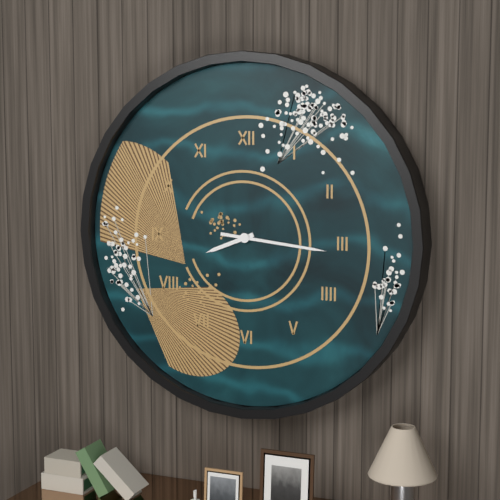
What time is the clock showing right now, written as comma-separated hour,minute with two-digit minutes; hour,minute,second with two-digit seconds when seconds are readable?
8,16
